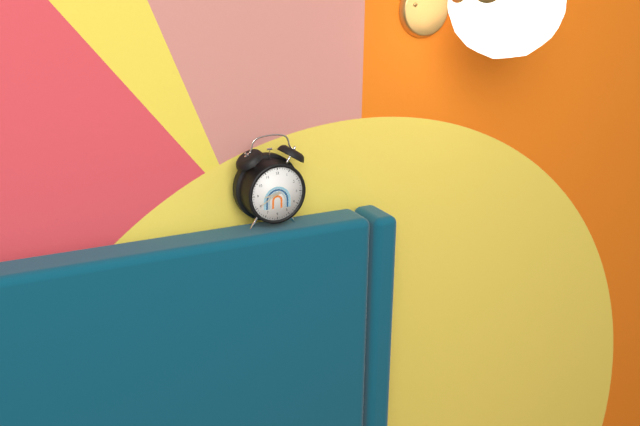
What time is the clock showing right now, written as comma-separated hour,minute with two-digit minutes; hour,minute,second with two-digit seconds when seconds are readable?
8,40
